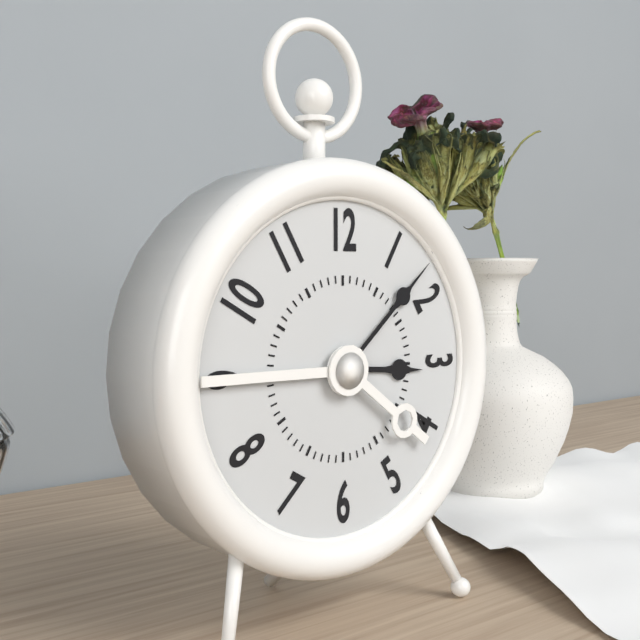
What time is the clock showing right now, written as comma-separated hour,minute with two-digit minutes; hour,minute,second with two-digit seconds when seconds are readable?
3,08
